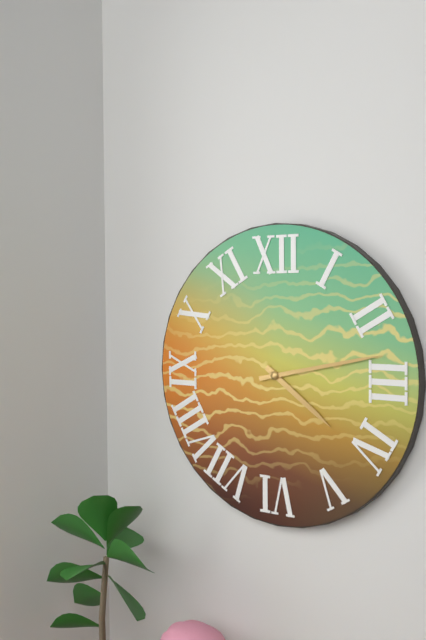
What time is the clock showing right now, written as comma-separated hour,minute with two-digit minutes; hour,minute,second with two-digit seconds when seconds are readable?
4,13
